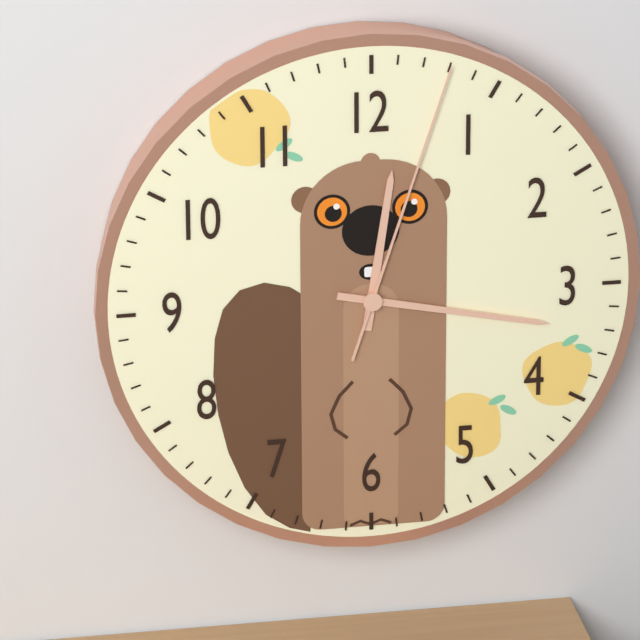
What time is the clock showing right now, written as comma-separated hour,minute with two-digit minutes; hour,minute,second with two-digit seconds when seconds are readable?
12,17,03
